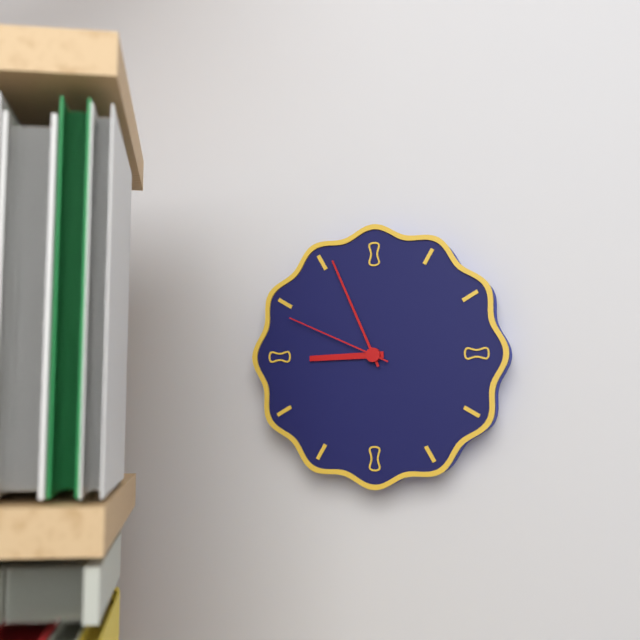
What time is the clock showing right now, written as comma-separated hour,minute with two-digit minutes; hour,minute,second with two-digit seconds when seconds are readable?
8,56,49
